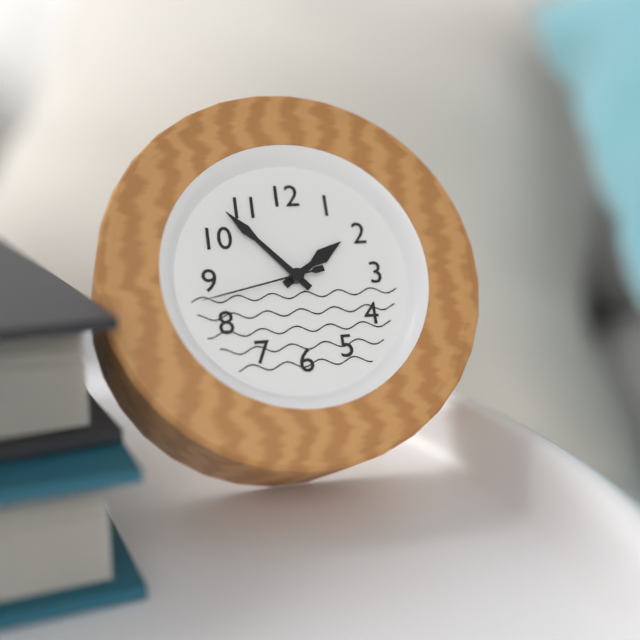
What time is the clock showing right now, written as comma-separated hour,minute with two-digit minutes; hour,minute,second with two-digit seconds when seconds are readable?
1,53,43
